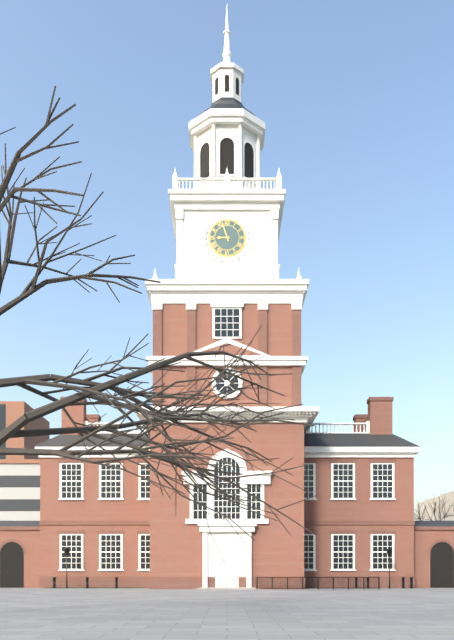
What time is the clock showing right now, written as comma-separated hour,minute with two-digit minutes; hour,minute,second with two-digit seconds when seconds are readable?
8,57
